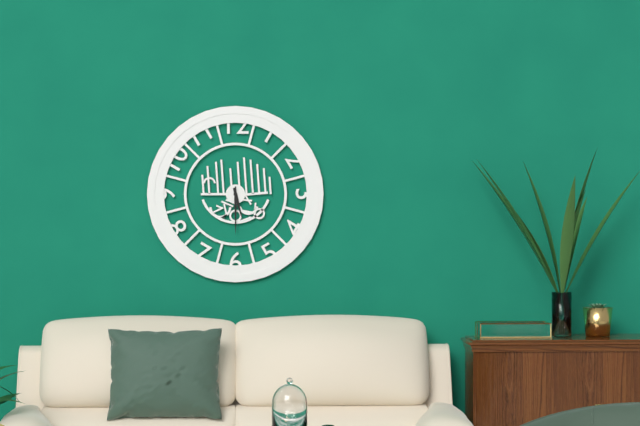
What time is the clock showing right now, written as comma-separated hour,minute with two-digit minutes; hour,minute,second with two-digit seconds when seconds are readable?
5,30
